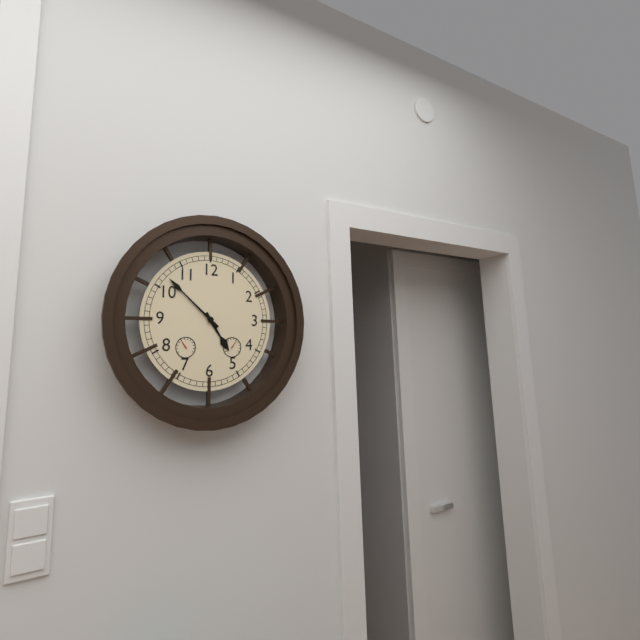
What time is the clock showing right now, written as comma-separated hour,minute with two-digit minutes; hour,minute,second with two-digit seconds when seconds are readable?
4,52
